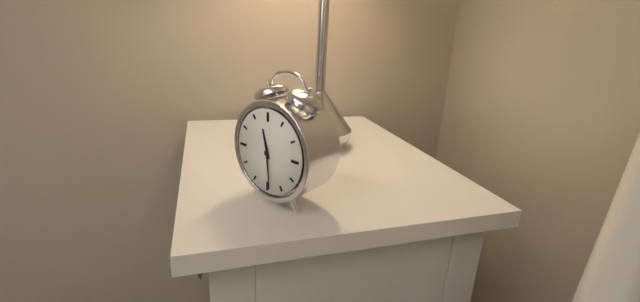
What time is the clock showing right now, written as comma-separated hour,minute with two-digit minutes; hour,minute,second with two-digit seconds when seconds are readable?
11,29
